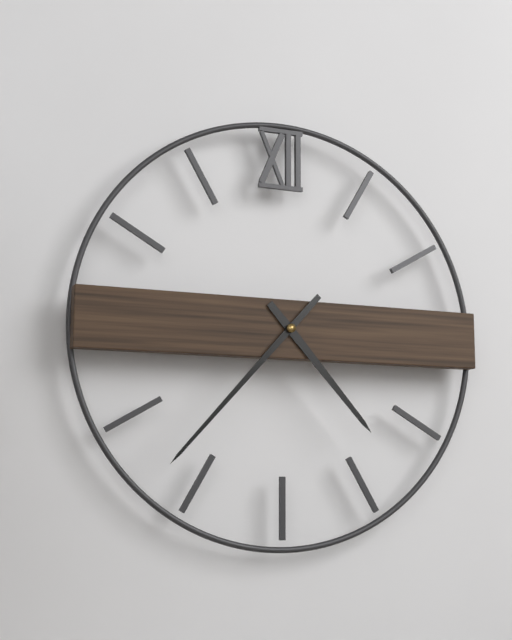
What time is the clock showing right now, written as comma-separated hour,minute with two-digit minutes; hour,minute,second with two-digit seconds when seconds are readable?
4,37
